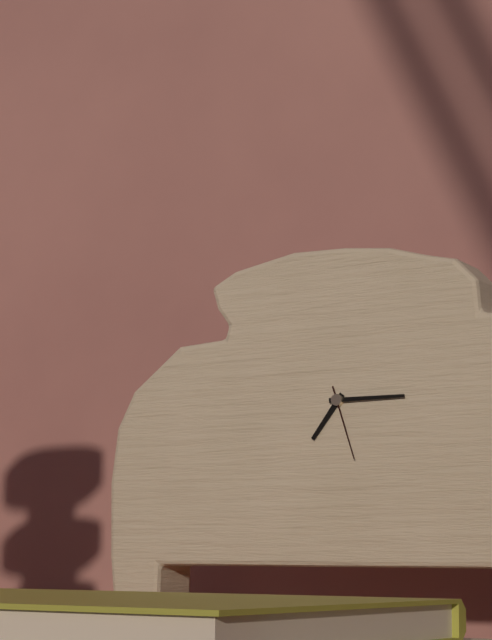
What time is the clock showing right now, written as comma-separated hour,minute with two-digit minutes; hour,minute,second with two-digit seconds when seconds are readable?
7,15,27
